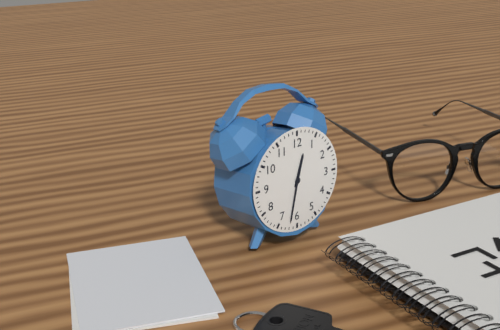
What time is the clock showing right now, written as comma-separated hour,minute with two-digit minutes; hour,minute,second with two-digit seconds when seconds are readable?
12,32
